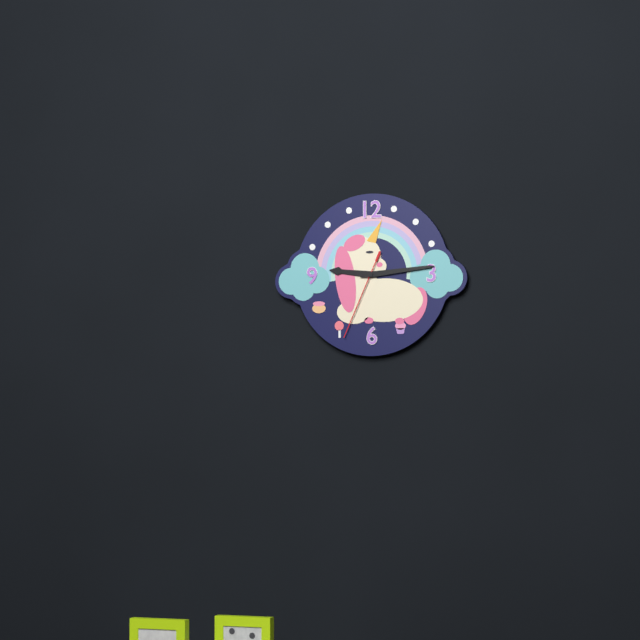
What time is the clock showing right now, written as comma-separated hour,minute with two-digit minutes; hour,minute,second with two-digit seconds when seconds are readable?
9,14,34
